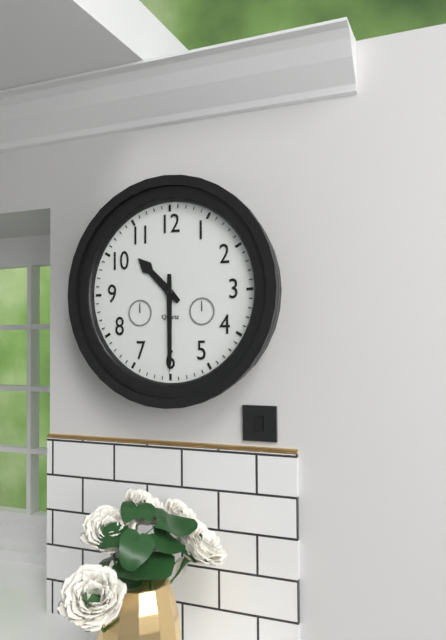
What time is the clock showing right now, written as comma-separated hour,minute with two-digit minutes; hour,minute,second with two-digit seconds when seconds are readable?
10,30
